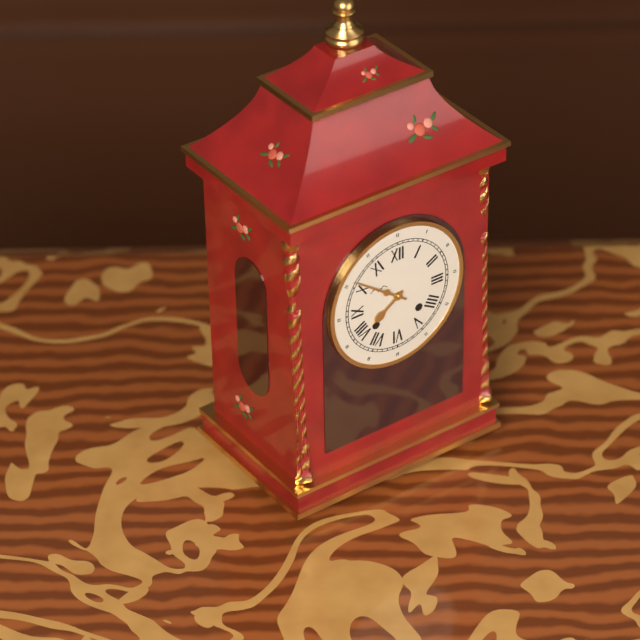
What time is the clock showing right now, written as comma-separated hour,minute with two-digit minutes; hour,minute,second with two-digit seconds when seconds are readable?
7,51
